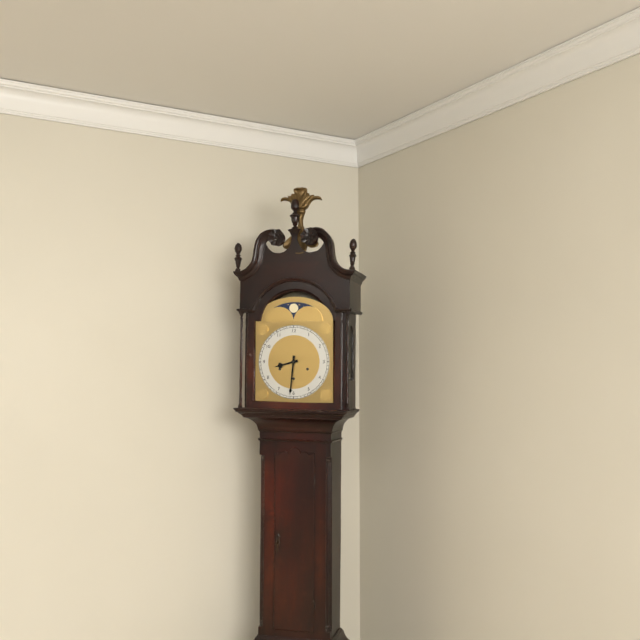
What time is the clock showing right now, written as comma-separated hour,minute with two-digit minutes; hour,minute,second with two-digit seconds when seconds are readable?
8,31
